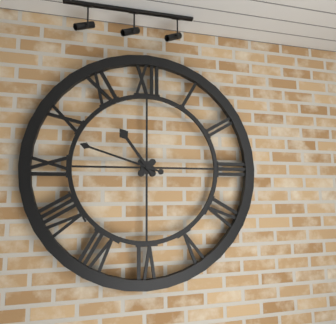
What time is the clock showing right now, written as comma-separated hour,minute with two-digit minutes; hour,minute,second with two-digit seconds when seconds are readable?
10,48
